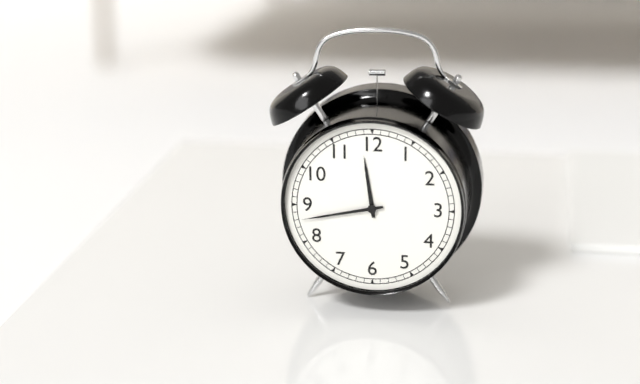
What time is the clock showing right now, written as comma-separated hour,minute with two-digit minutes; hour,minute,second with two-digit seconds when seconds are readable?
11,43
